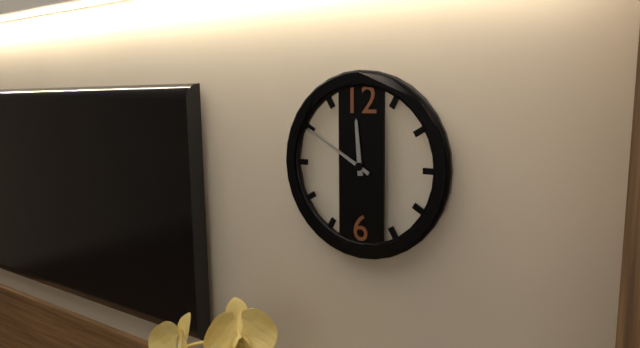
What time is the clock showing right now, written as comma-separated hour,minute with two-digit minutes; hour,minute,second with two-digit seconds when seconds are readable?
11,50
